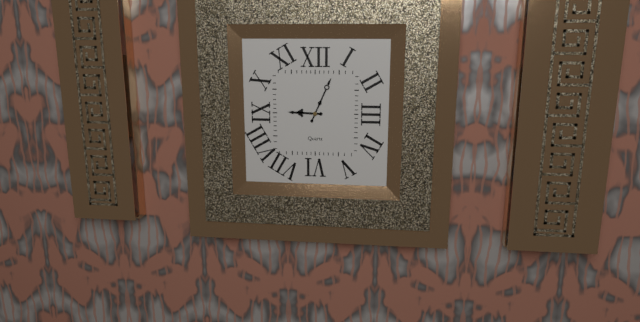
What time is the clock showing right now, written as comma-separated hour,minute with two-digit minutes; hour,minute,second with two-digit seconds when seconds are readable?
9,04
